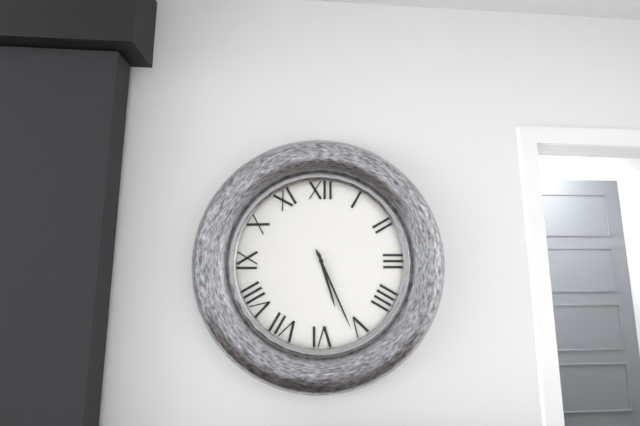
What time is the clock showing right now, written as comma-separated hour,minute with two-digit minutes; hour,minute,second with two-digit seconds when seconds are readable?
5,26
